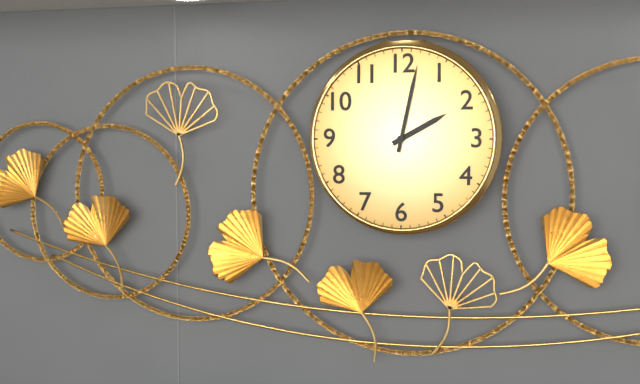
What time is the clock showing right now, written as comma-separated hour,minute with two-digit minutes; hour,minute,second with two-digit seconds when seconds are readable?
2,02
